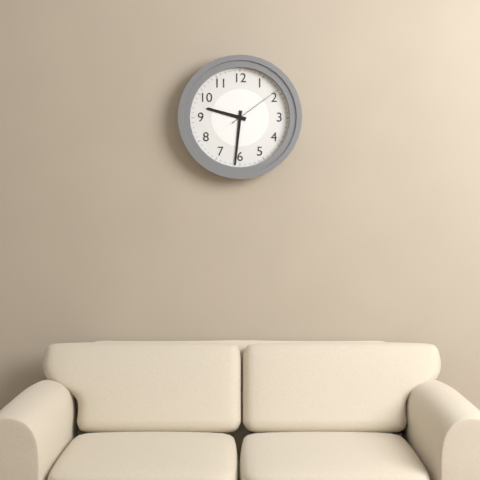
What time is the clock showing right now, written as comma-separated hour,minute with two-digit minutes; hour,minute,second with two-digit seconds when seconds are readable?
9,31,09
